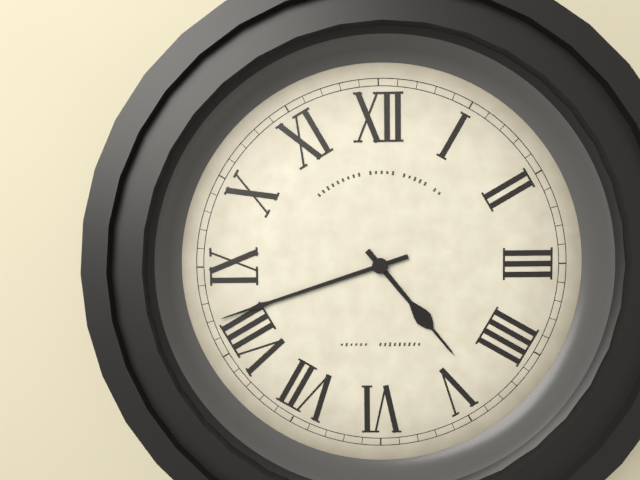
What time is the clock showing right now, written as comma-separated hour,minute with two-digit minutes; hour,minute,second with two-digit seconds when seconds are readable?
4,42
